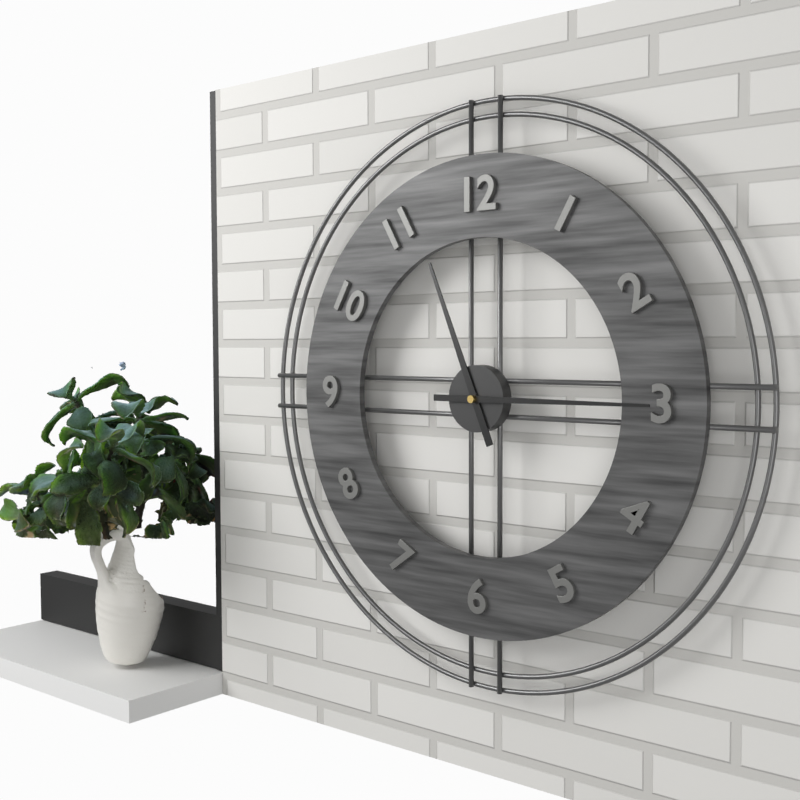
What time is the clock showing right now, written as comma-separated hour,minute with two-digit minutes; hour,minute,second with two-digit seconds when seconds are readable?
11,15
